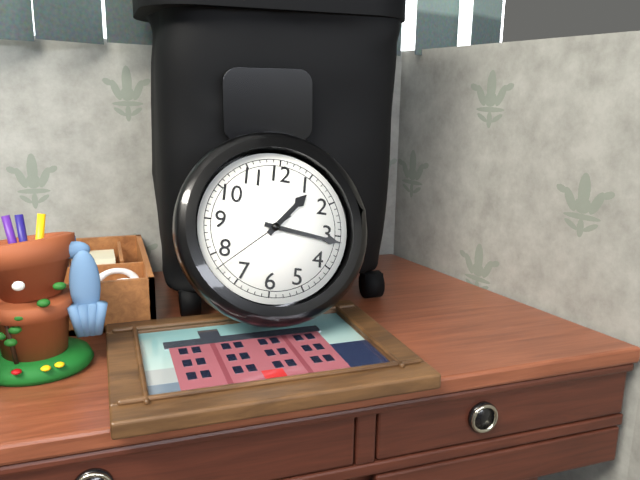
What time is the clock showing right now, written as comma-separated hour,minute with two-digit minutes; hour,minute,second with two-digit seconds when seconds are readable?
1,16,38
